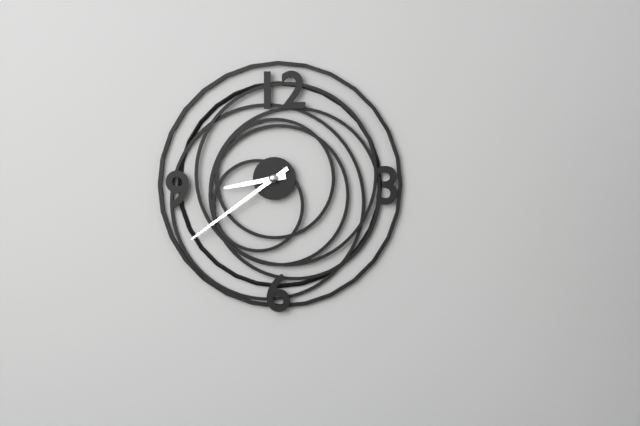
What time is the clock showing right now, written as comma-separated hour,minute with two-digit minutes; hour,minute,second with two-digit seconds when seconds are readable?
8,39
